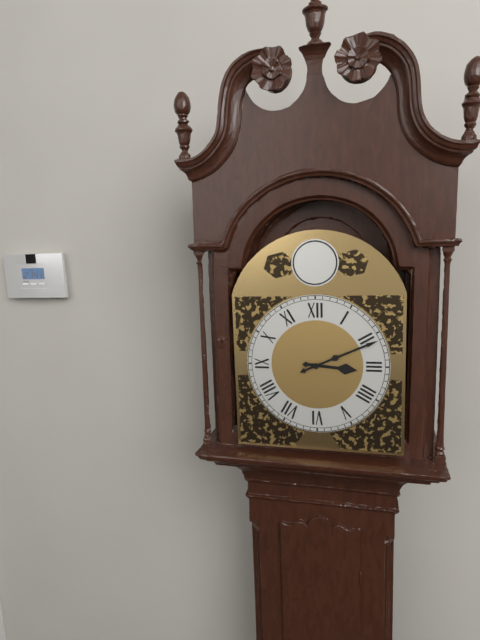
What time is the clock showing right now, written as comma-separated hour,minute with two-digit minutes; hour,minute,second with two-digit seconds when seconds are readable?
3,11
